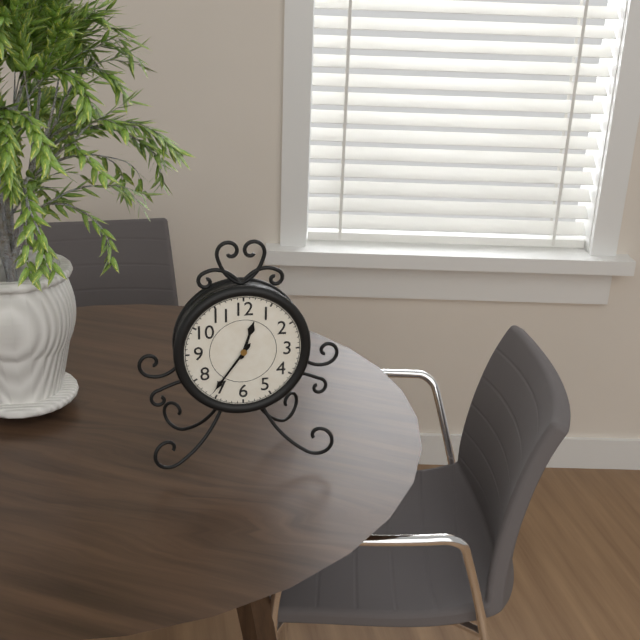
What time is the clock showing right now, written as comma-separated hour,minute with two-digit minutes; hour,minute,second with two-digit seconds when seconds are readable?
12,36
